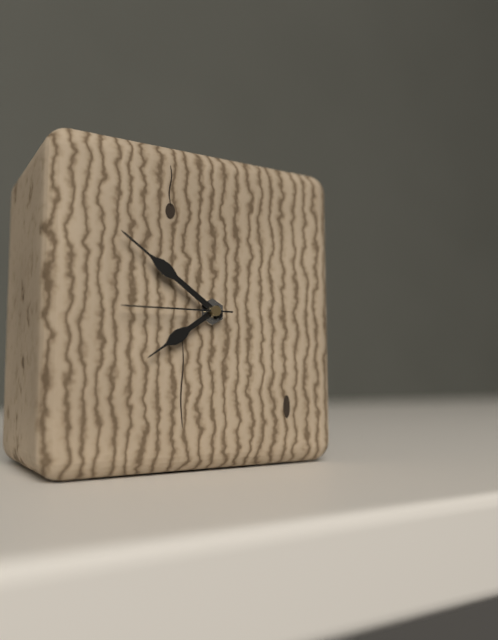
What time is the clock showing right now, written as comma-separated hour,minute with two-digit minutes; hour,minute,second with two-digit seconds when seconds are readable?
7,51,45
